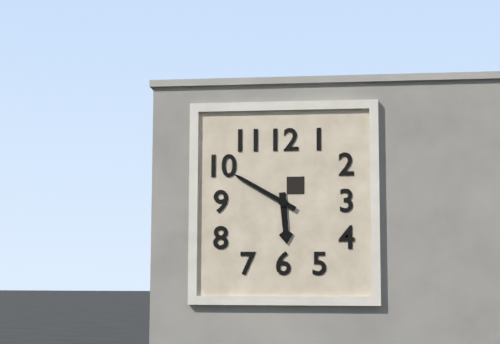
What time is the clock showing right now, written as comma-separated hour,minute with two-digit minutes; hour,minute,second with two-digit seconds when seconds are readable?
5,50
